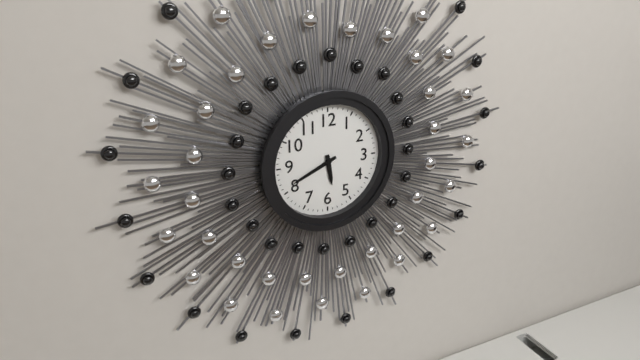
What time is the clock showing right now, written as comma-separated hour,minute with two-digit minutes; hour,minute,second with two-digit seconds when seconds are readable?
5,41
